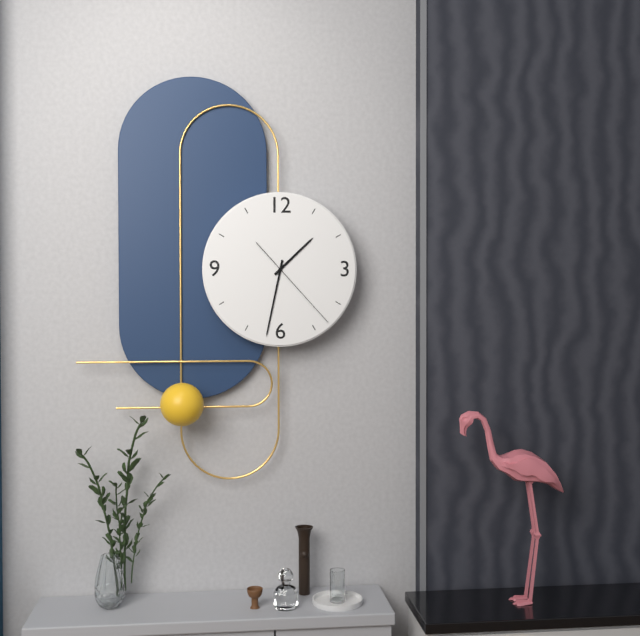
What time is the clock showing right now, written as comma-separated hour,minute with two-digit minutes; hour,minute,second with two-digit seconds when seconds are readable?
1,32,23
